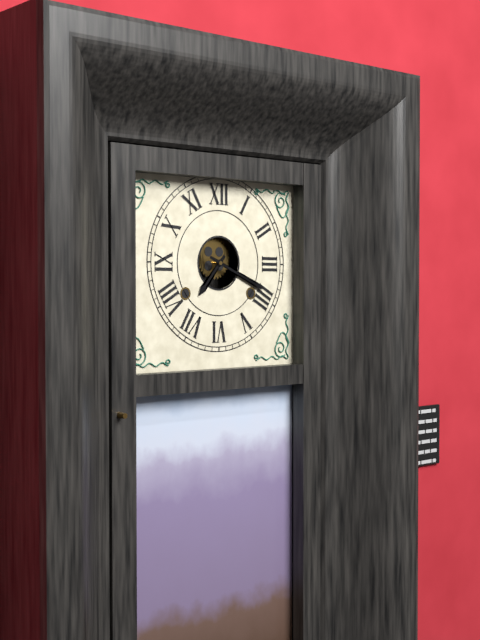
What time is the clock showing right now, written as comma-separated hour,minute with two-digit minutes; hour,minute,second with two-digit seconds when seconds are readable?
7,19
